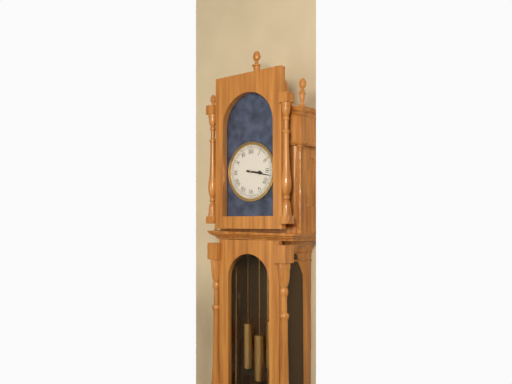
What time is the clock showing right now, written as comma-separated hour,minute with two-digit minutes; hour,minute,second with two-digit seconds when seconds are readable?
3,17
